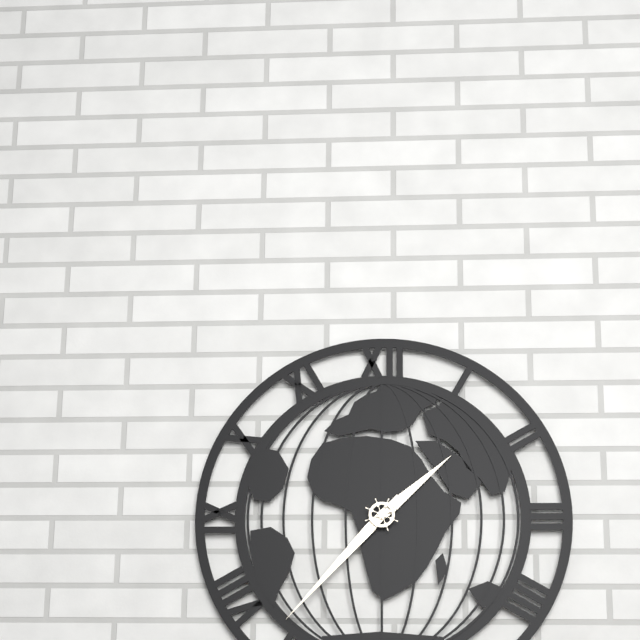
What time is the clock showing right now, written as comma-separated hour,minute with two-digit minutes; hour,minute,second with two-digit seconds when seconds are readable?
1,37
